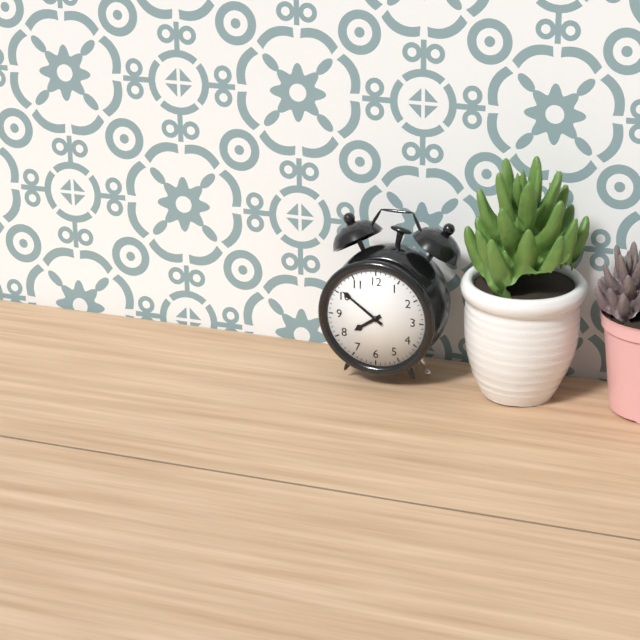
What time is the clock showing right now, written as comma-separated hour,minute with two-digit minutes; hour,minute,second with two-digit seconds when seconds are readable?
7,51
